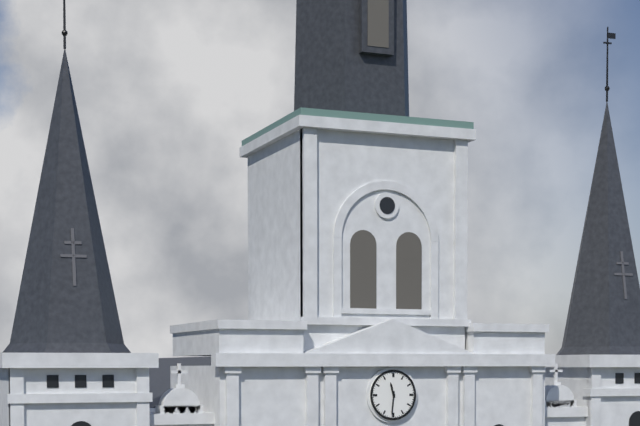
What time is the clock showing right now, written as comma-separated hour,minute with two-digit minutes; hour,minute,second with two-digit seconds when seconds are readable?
11,31
